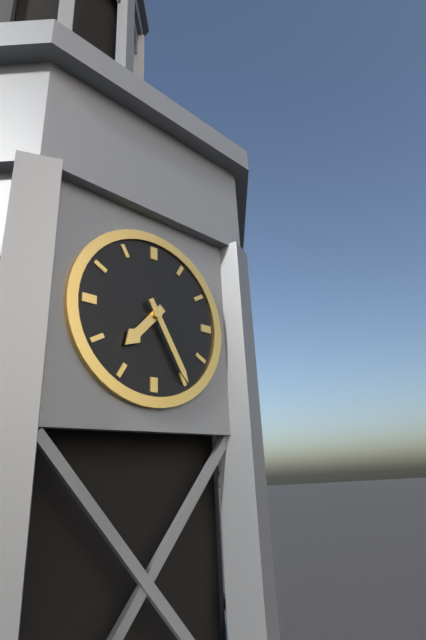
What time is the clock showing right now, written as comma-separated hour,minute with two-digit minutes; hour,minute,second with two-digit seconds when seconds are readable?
7,25
